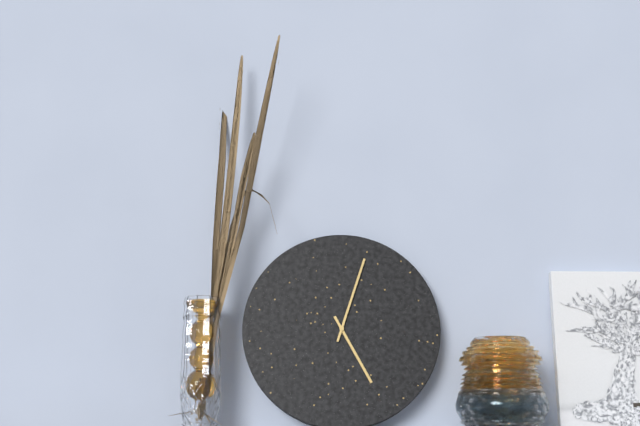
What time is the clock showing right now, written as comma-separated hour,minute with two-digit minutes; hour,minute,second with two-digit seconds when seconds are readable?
5,03
